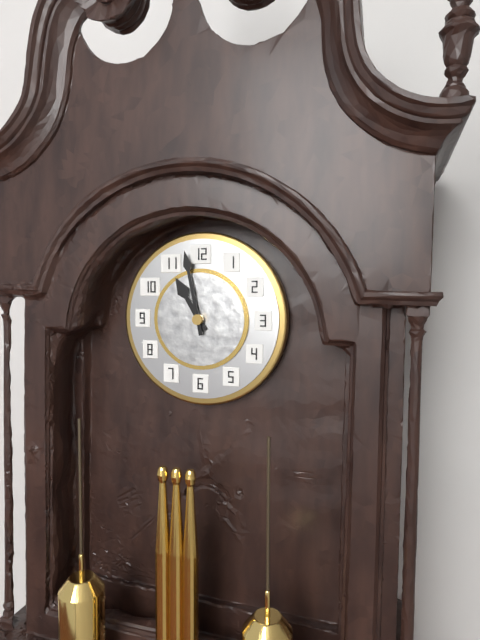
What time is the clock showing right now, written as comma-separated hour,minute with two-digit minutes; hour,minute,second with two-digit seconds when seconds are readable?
10,58
